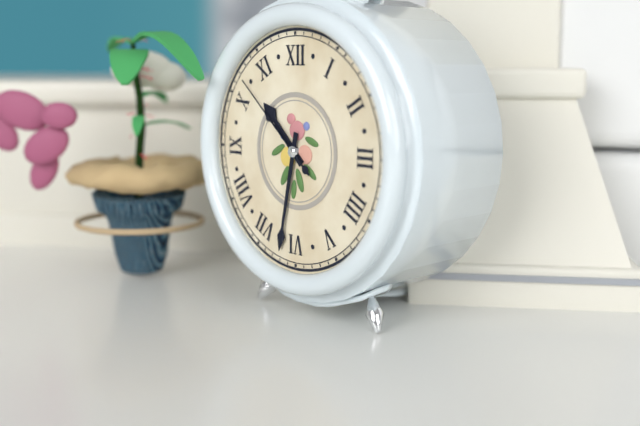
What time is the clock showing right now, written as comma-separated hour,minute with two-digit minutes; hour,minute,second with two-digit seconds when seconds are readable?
10,32,52
